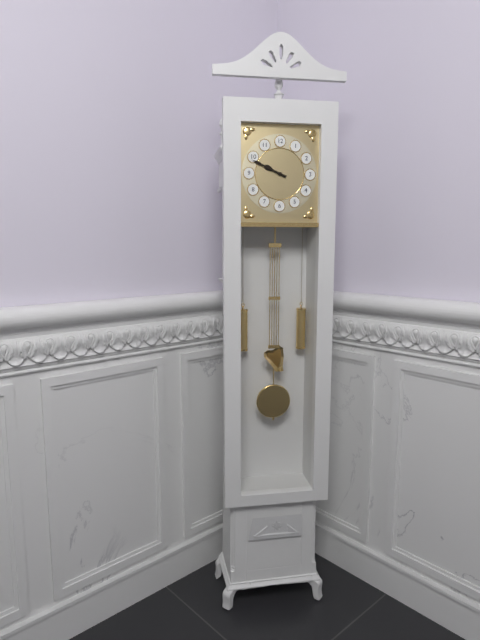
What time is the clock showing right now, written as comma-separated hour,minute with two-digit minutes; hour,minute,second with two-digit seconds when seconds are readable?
9,49
